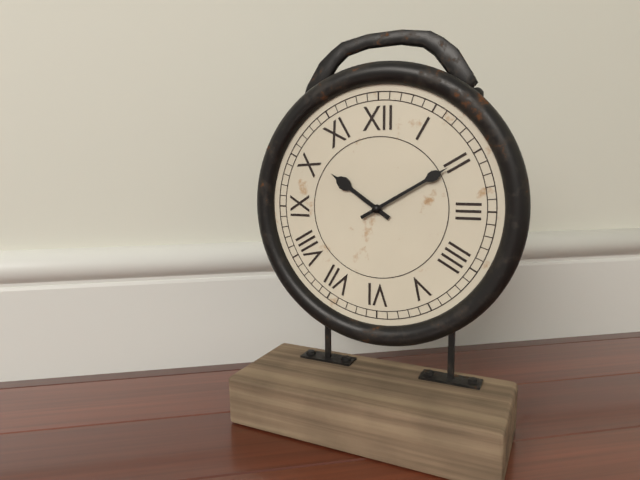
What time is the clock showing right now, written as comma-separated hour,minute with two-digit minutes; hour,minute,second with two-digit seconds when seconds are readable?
10,10
